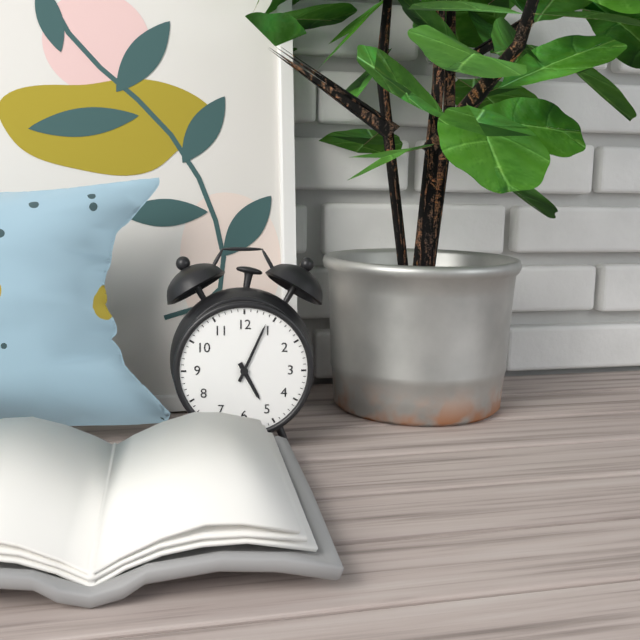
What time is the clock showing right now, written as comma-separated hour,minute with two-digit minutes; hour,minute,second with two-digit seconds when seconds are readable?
5,04
